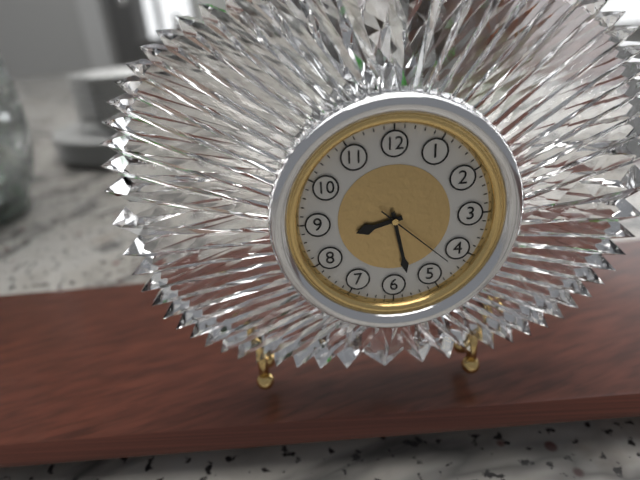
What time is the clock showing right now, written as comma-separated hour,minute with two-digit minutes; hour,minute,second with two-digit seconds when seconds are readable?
8,28,22
